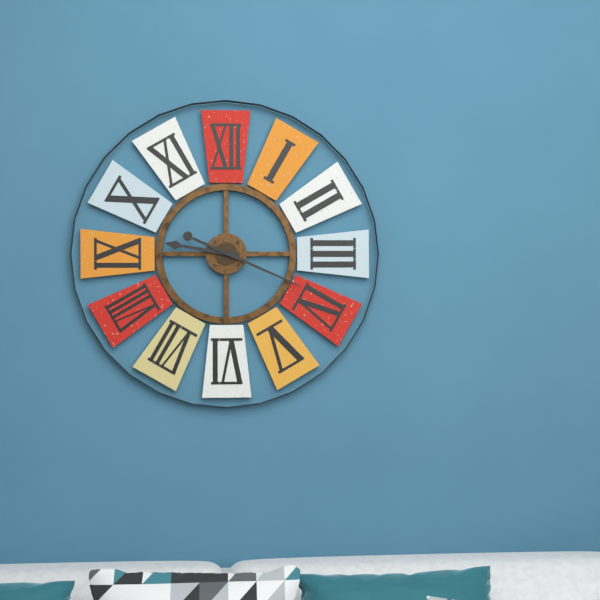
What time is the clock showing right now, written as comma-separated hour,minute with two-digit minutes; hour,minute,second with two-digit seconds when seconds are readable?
9,19
